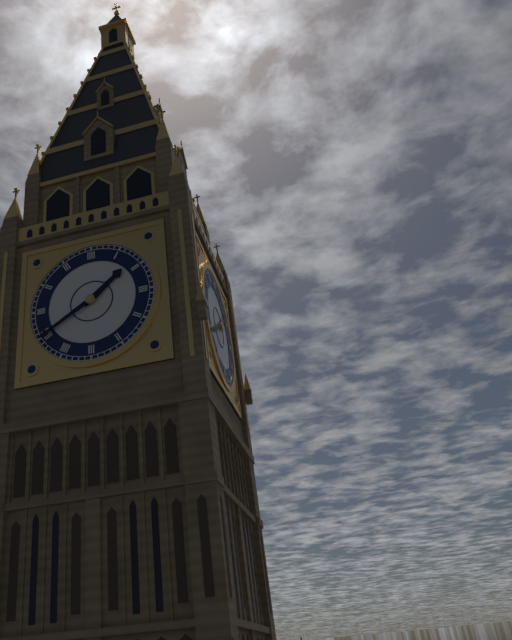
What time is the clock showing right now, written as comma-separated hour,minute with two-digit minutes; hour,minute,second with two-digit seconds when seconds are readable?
1,40
